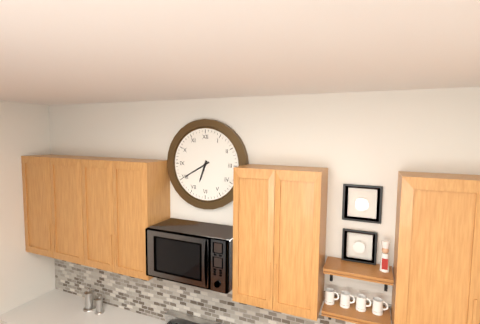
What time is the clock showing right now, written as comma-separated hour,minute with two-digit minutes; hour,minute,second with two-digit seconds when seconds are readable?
6,40
